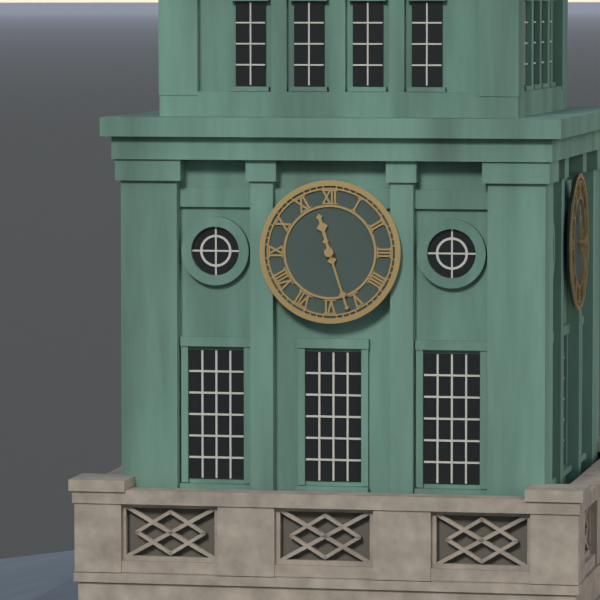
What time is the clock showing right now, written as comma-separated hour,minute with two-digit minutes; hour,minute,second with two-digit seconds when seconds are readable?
11,27
